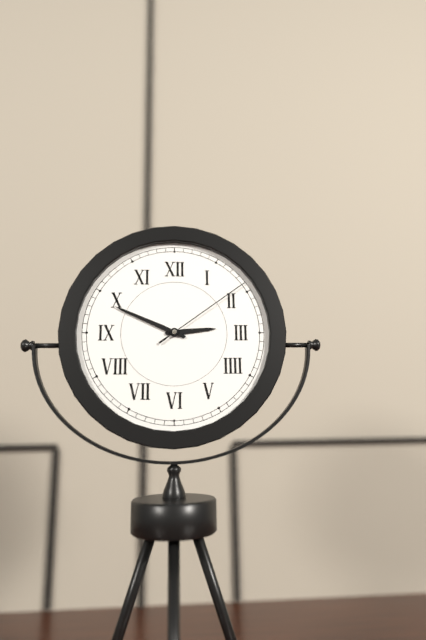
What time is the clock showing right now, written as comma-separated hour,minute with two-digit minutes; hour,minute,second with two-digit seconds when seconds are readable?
2,49,09
